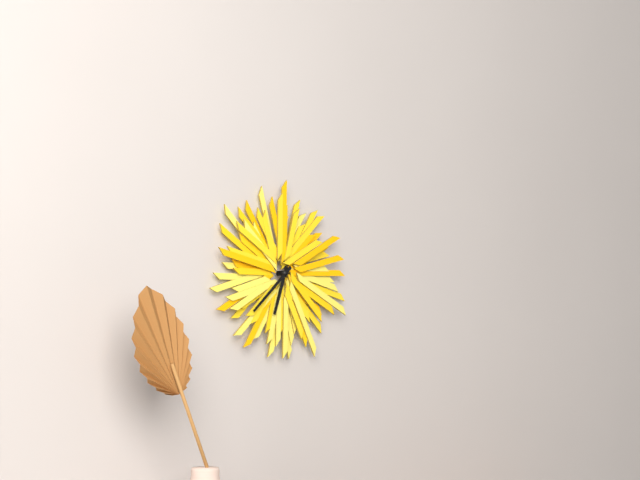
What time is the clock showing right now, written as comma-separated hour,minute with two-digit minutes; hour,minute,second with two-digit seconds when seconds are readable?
6,38
